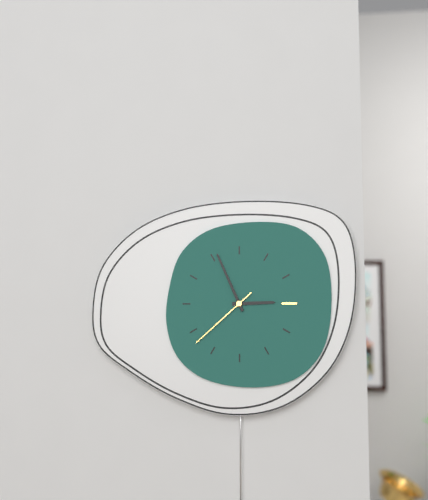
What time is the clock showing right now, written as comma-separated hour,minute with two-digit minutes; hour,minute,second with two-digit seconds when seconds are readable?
2,56,38
